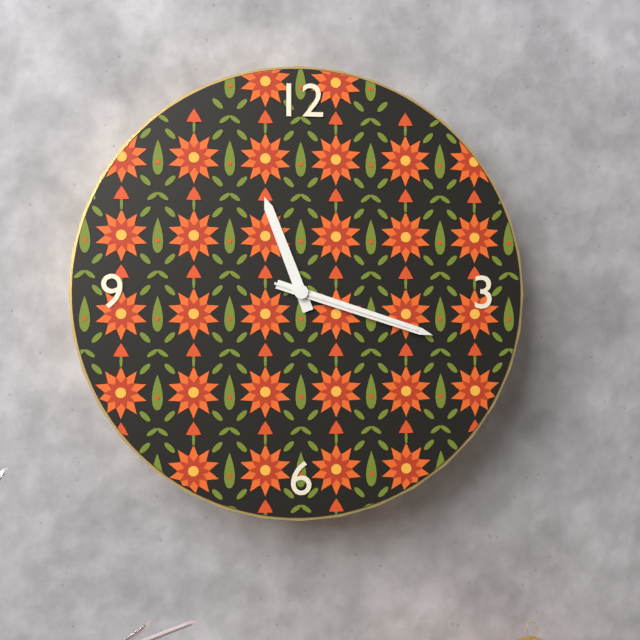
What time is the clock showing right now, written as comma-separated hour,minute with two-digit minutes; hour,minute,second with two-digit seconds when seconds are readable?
11,18,18
